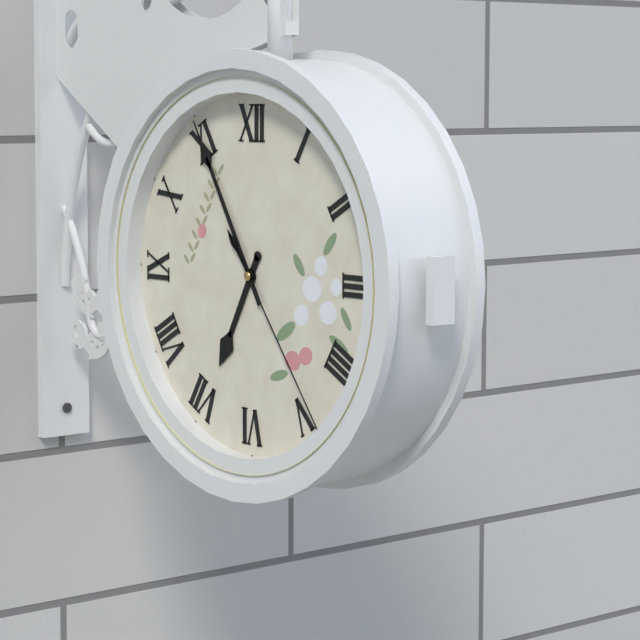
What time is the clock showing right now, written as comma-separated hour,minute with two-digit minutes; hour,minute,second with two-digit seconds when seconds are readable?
6,55,24
